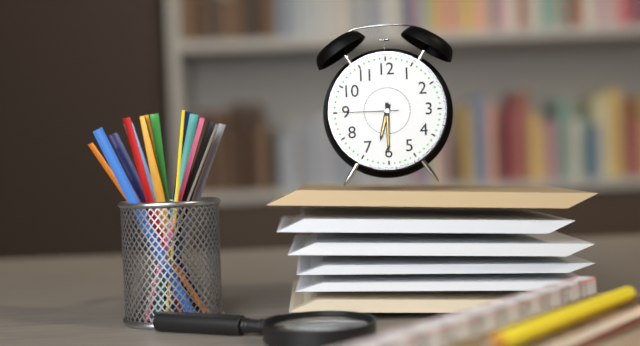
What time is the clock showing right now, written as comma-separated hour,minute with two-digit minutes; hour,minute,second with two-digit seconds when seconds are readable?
6,30,45
